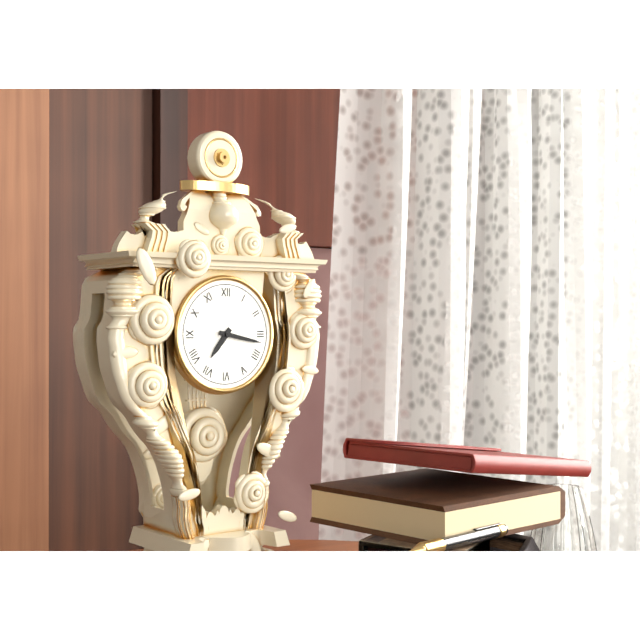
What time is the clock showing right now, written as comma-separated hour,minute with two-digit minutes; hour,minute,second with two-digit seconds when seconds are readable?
7,17
